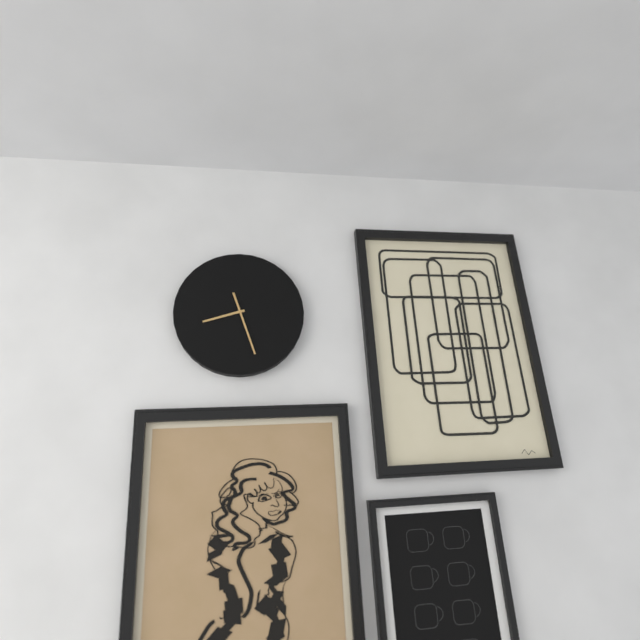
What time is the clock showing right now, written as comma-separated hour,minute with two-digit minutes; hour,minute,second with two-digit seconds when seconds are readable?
8,27
